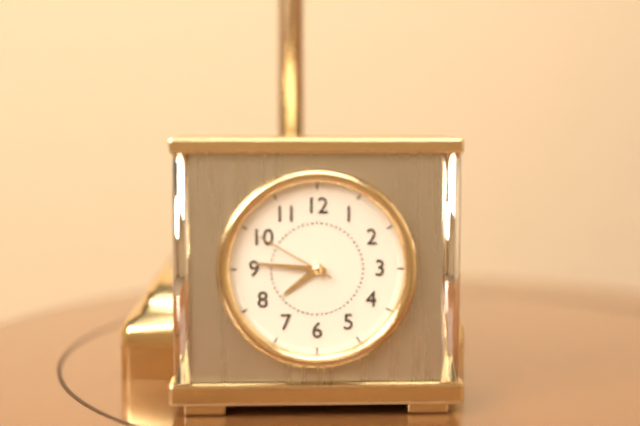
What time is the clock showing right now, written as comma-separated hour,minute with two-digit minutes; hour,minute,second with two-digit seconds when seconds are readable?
7,46,50
